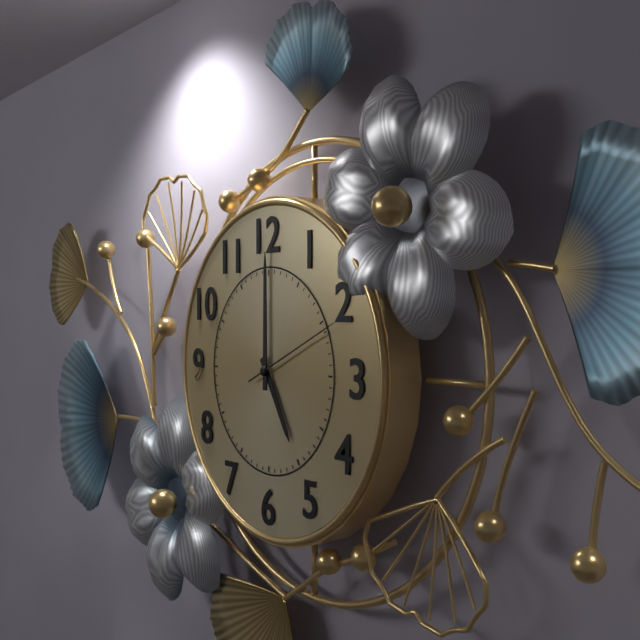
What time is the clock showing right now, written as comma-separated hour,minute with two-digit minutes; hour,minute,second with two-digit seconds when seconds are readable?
5,00,11
